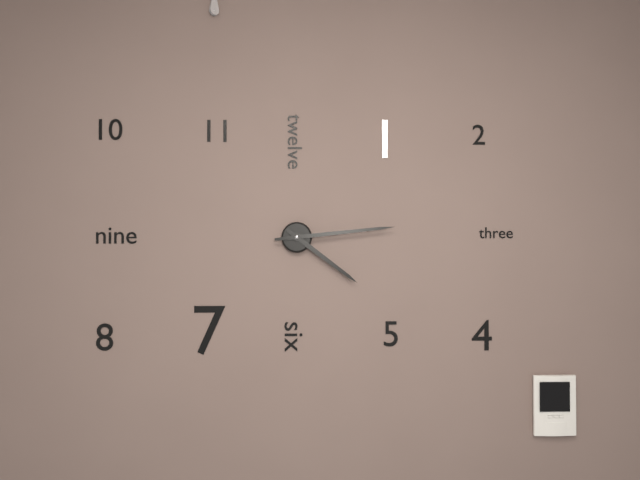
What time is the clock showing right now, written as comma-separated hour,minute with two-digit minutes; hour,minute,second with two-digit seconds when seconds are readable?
4,14
